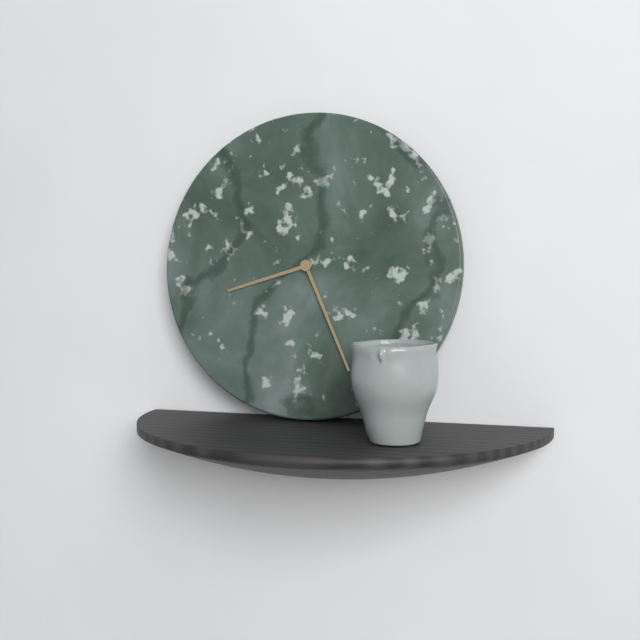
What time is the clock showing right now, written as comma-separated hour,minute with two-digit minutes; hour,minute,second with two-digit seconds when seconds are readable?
8,26
